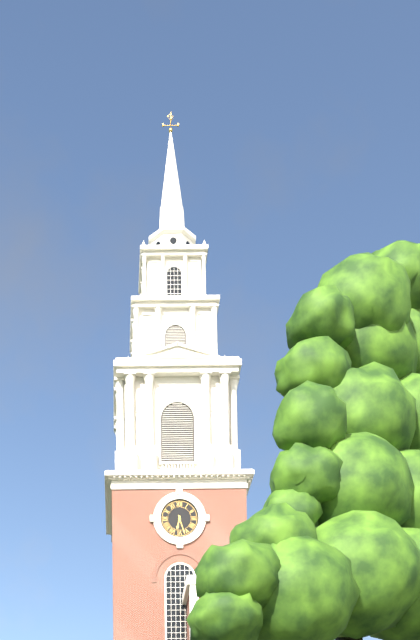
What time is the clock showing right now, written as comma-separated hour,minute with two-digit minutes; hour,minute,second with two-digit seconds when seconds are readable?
6,27
